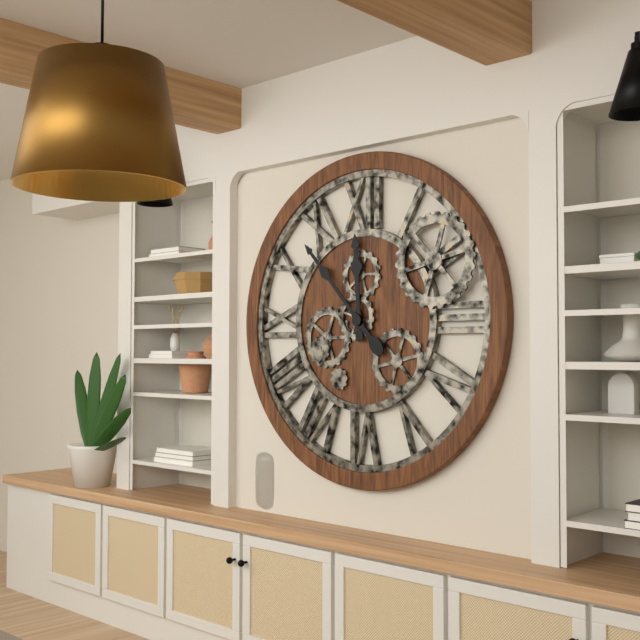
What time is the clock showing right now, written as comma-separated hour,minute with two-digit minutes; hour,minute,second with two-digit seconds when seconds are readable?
11,53
